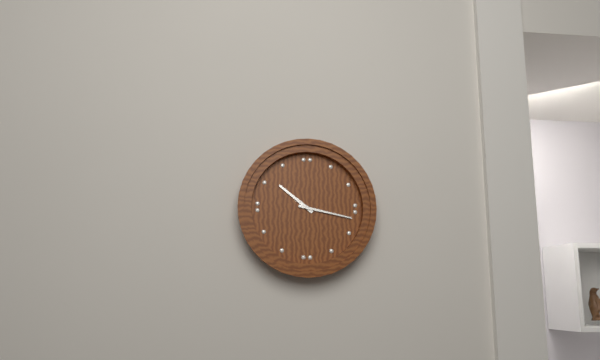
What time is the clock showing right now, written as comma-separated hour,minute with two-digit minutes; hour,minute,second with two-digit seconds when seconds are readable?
10,17
